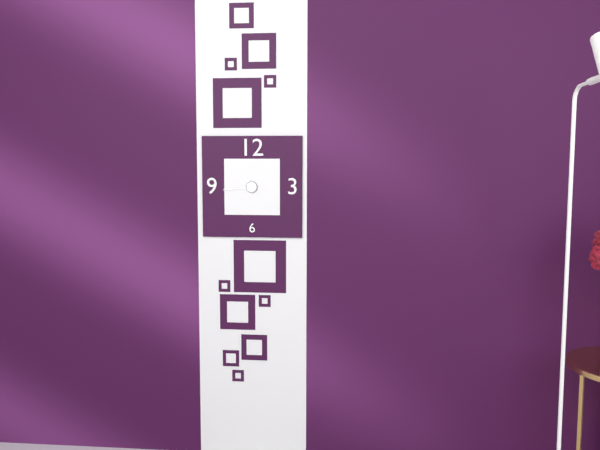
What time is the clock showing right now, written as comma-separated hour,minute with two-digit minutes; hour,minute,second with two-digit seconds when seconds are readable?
10,44
